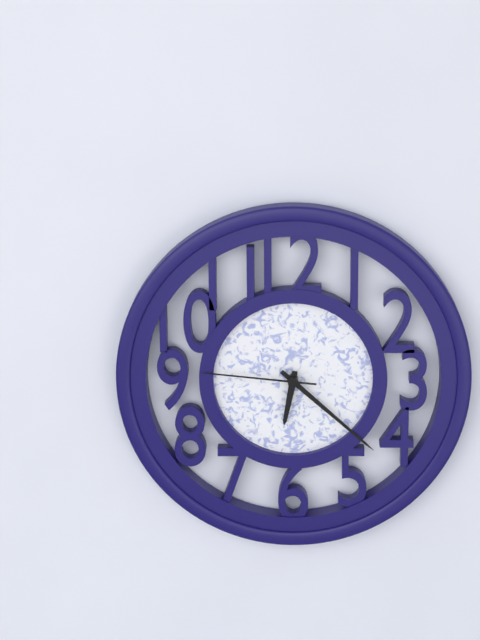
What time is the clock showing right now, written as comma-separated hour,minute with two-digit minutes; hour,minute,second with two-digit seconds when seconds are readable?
6,22,46
